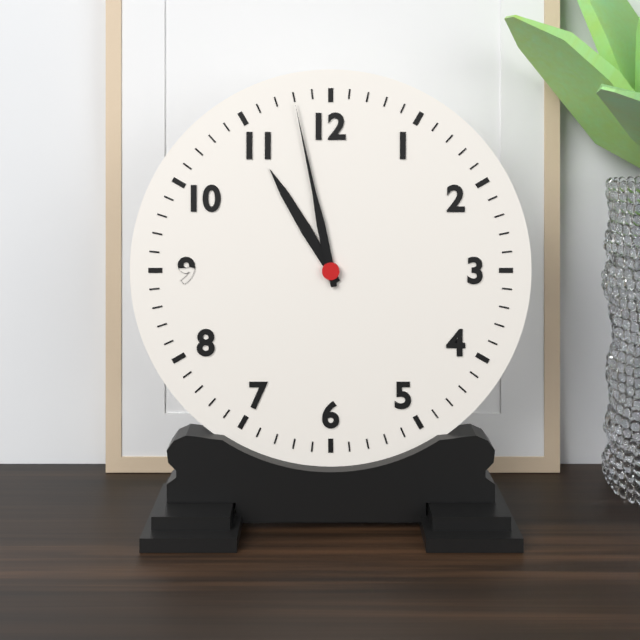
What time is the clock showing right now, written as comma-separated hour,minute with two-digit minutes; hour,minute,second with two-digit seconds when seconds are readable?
10,58
